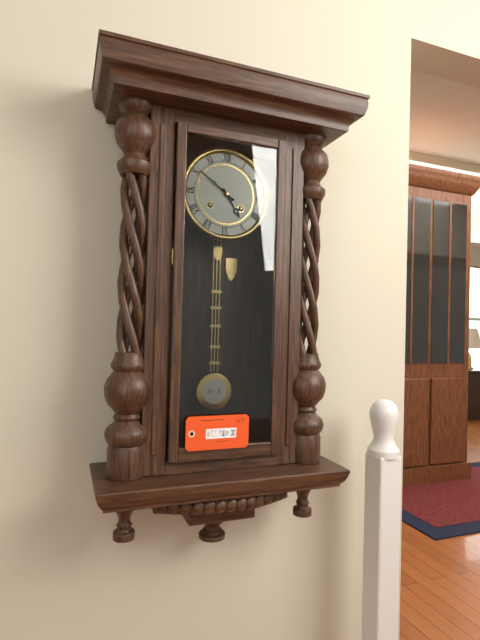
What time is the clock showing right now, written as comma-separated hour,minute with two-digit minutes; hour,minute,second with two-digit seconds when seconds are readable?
4,51
